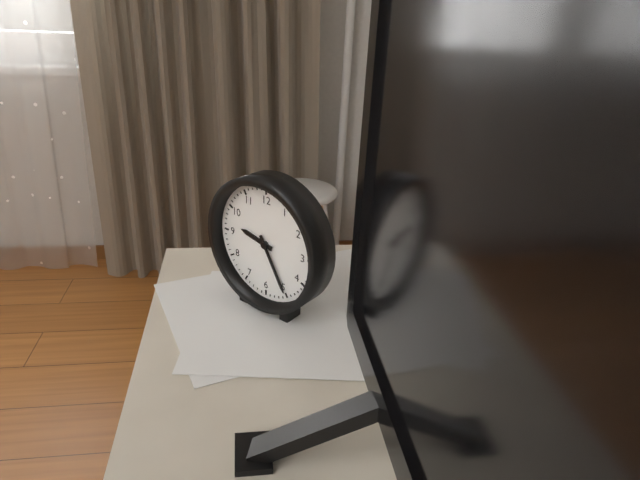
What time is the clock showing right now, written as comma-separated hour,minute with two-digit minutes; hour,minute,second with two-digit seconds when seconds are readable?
9,25
